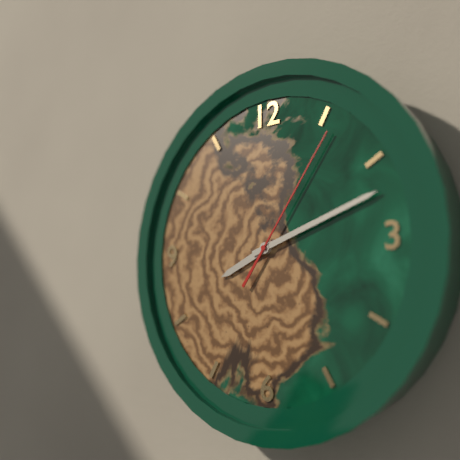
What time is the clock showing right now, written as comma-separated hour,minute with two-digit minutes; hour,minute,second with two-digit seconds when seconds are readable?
8,12,06
